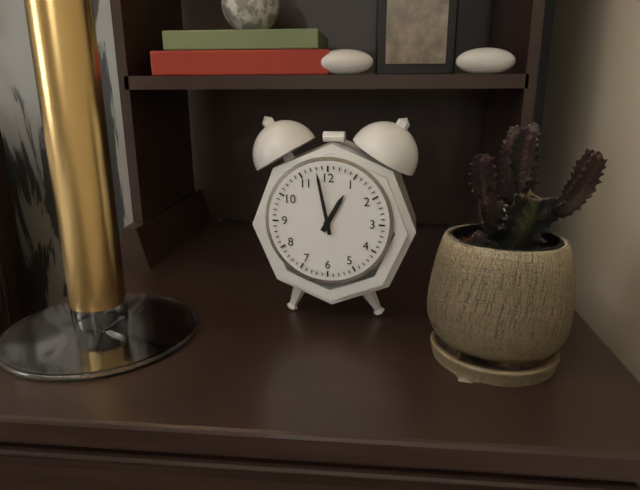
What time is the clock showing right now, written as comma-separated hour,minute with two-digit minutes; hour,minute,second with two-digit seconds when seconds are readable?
12,58
